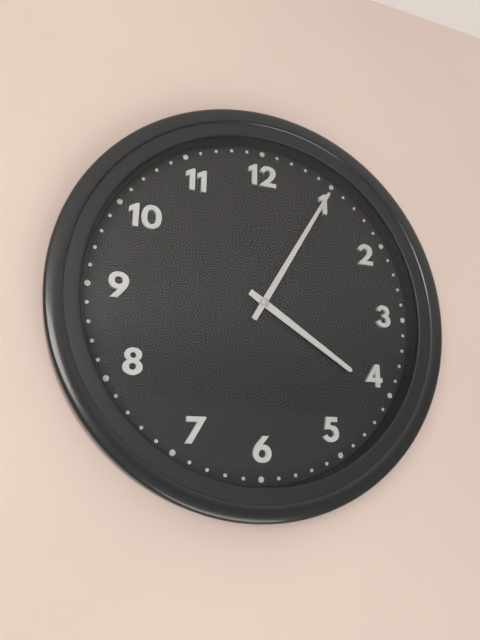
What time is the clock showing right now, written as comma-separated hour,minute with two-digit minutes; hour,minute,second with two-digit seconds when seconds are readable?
4,05
